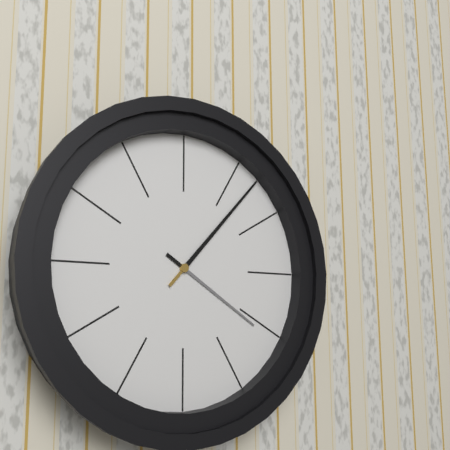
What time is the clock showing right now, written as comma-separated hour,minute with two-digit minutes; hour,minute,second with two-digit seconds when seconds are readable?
4,07
